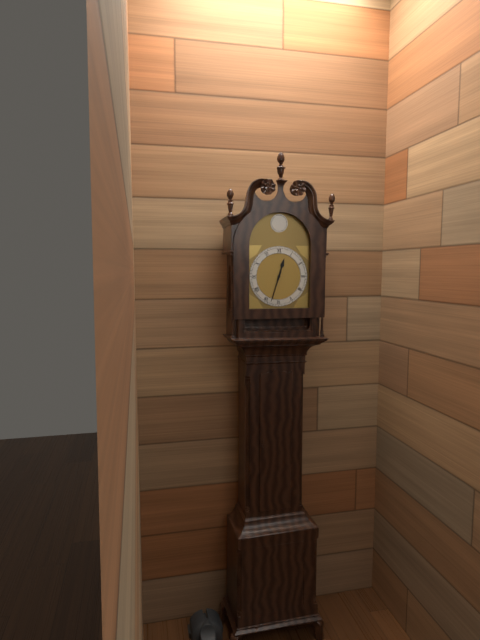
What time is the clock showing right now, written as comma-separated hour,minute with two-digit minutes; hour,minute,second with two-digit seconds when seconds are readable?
12,33
